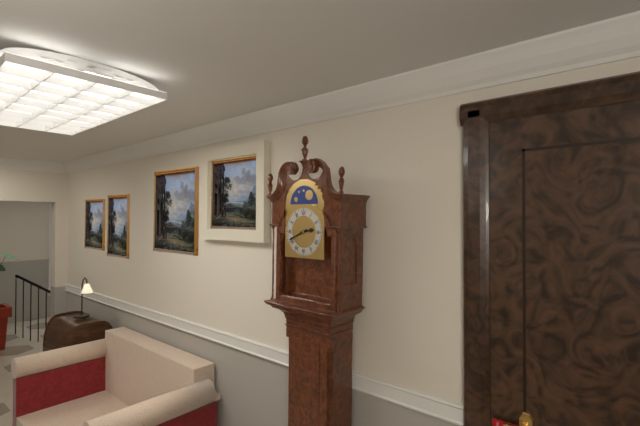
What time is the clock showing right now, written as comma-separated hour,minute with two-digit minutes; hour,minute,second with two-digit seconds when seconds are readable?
2,41
